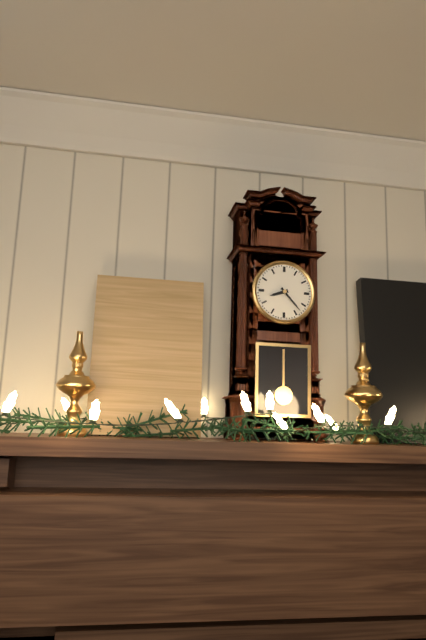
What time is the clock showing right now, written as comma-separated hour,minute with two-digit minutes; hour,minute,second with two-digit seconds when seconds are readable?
8,23
